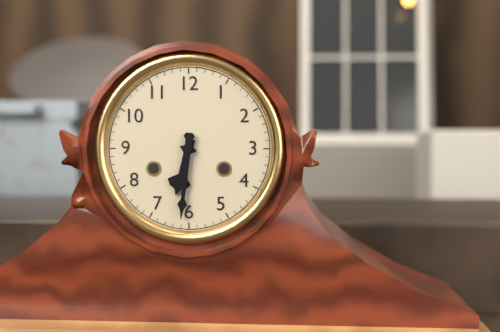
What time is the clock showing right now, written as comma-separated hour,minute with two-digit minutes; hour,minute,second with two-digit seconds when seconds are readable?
6,31
